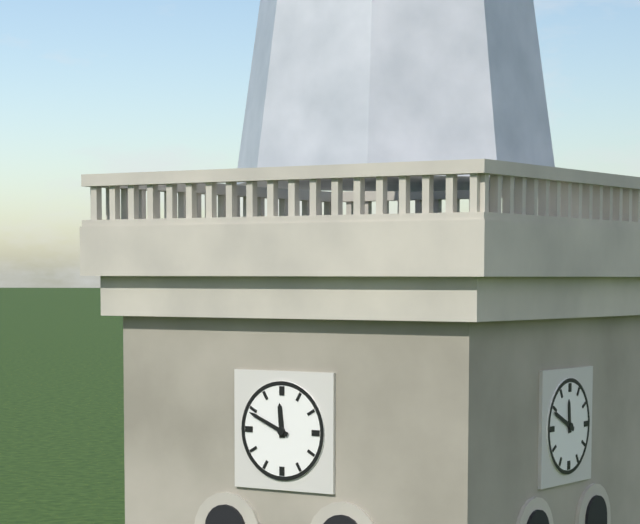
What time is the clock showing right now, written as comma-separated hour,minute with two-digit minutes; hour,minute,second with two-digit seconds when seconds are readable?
11,49
